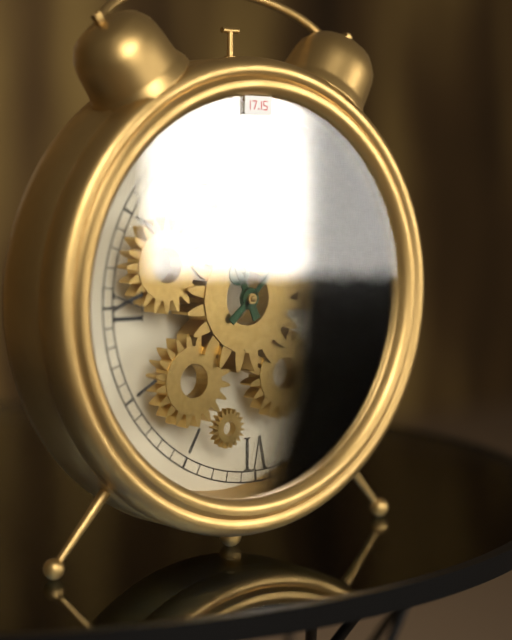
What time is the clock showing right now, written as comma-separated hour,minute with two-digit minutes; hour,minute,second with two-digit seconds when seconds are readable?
11,08
